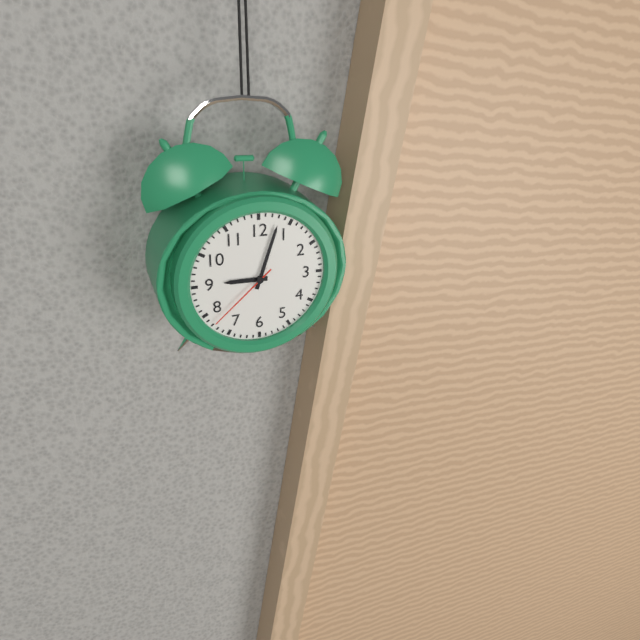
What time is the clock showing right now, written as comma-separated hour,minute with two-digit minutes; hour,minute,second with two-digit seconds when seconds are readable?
9,03,38
